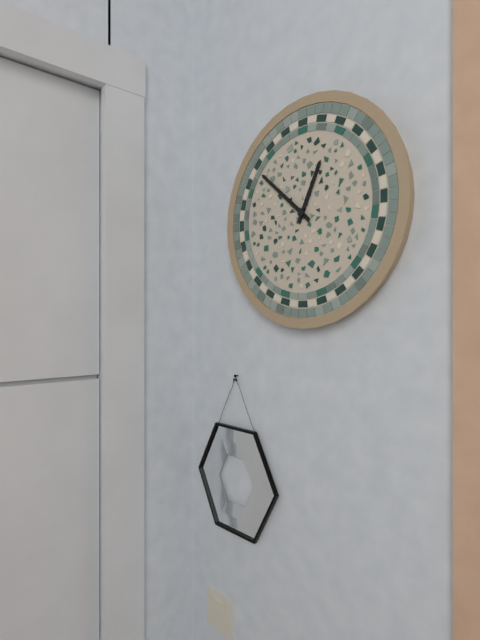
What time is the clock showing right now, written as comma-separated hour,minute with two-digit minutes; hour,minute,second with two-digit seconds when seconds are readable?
12,52
